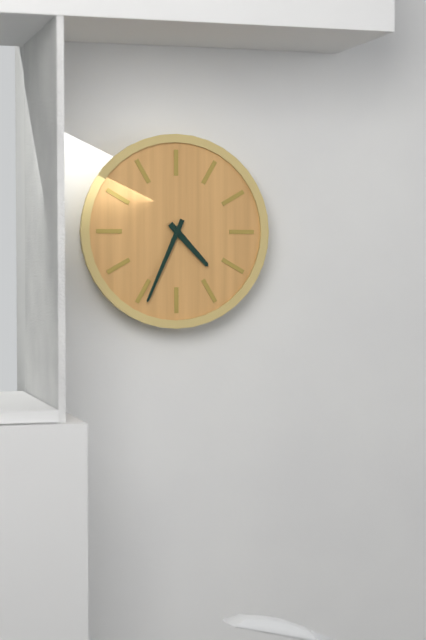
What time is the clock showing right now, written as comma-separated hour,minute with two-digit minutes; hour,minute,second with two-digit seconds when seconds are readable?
4,34
